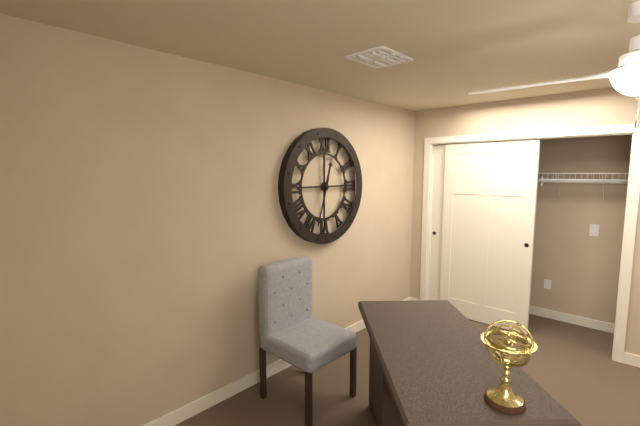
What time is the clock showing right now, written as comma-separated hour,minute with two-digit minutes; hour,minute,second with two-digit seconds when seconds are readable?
12,33
